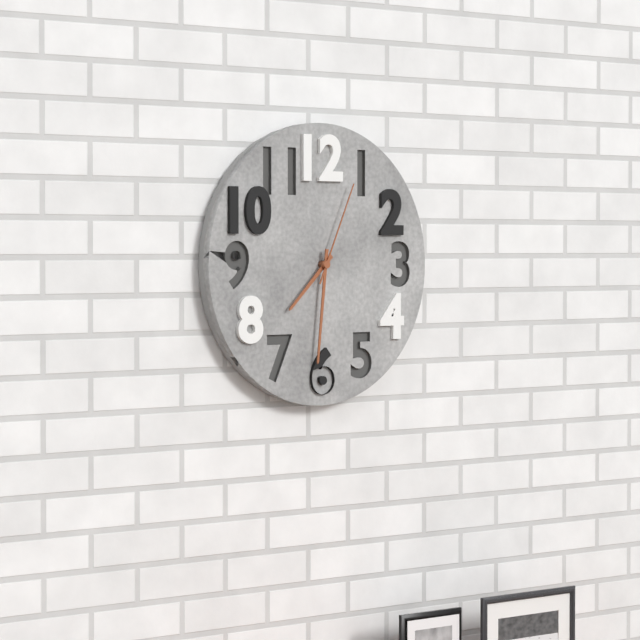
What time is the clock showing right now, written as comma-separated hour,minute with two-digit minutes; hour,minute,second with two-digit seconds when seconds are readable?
7,31,04
